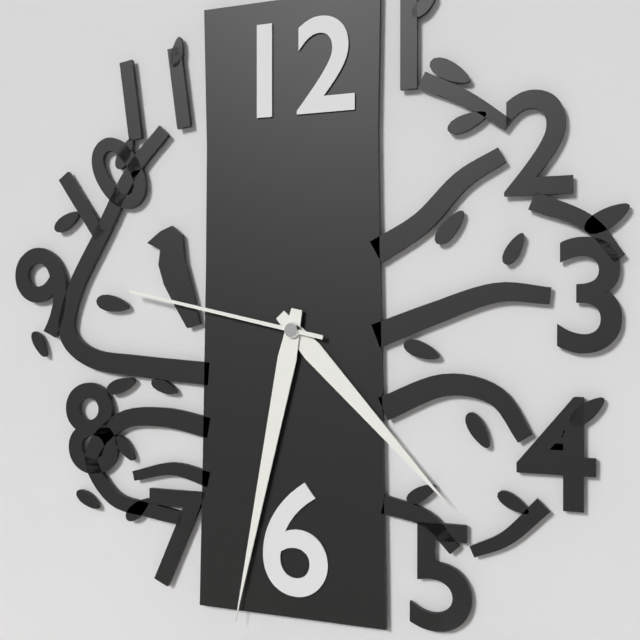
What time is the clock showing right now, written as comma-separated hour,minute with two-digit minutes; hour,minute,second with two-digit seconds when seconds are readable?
4,32,47
